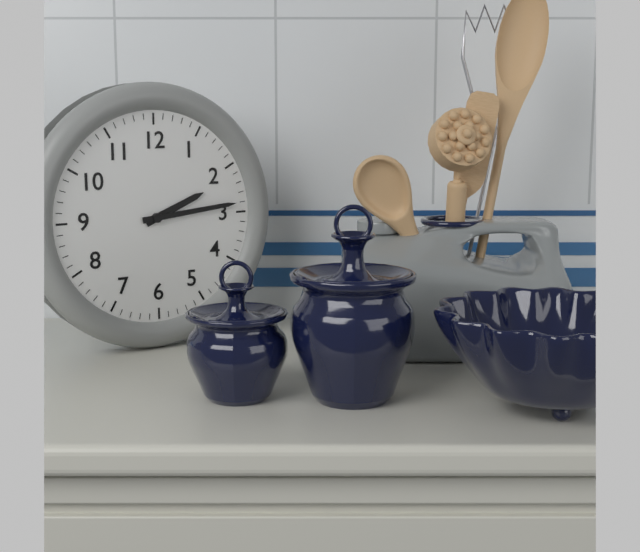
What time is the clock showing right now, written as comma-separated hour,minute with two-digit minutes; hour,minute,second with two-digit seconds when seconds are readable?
2,14
